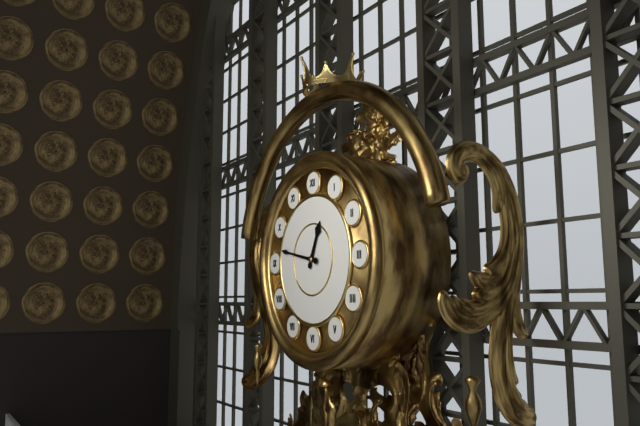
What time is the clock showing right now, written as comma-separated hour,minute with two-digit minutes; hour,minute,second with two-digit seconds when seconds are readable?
12,47
